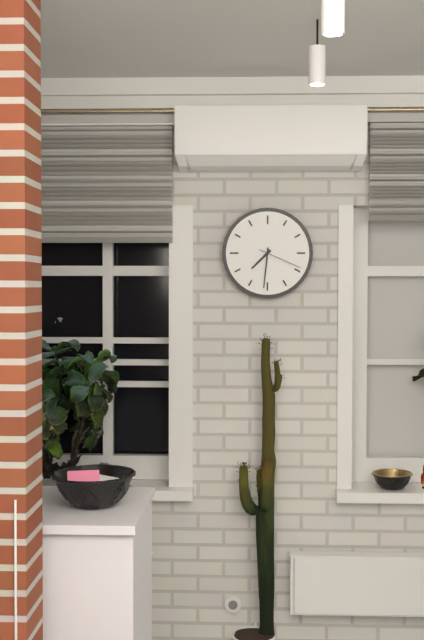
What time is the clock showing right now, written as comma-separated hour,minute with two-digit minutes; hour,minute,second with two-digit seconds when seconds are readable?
7,31
